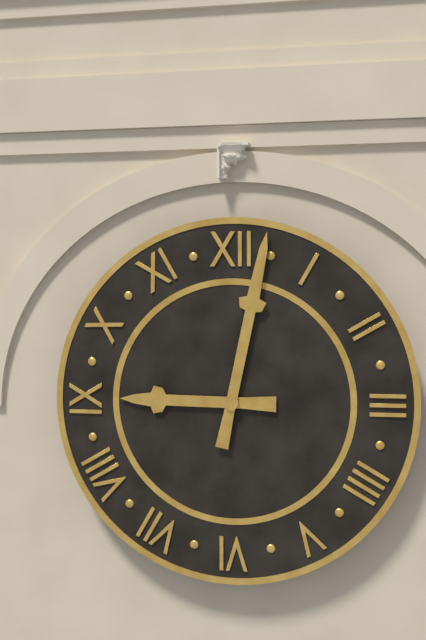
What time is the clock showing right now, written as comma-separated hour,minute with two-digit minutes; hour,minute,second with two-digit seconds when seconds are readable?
9,02
